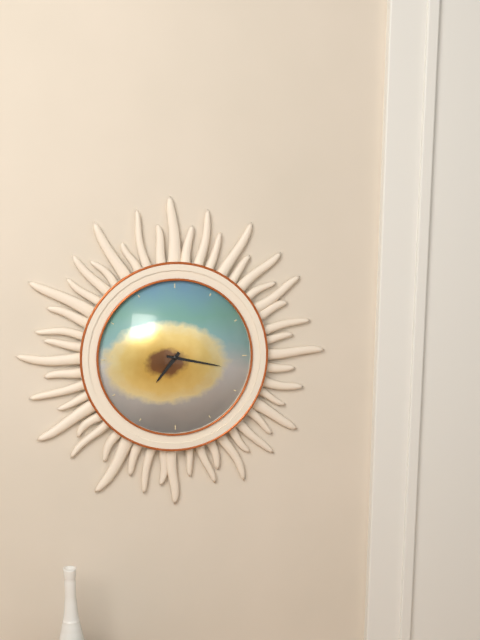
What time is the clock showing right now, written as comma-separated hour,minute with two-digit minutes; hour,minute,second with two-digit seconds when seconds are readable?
7,17
